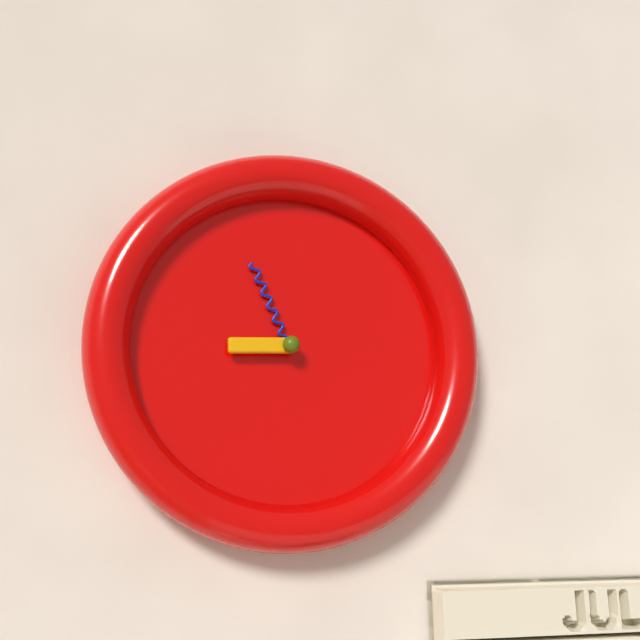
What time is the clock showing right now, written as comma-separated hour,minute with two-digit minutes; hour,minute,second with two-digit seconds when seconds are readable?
8,56
